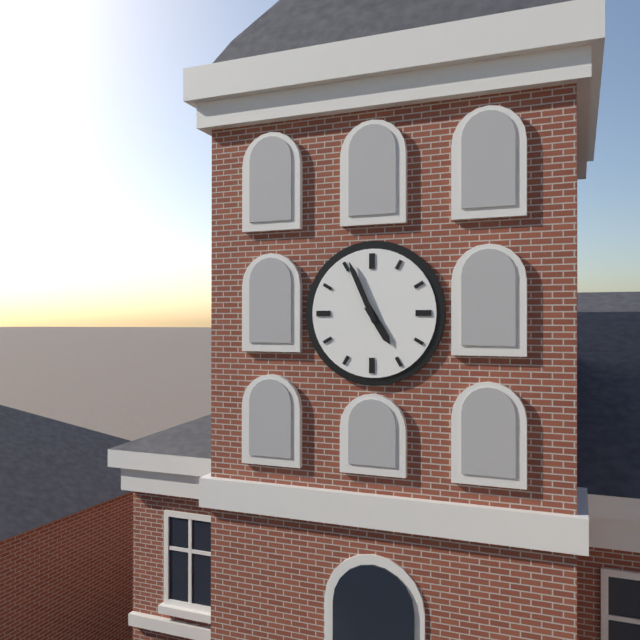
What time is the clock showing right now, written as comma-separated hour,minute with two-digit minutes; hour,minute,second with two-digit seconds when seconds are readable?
4,56
